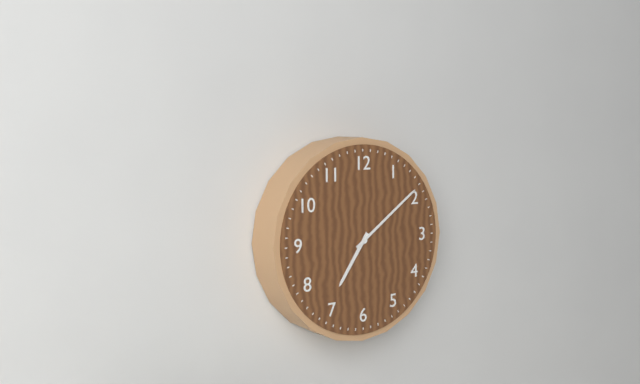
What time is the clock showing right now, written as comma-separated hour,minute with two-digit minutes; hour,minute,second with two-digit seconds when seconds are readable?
7,09
